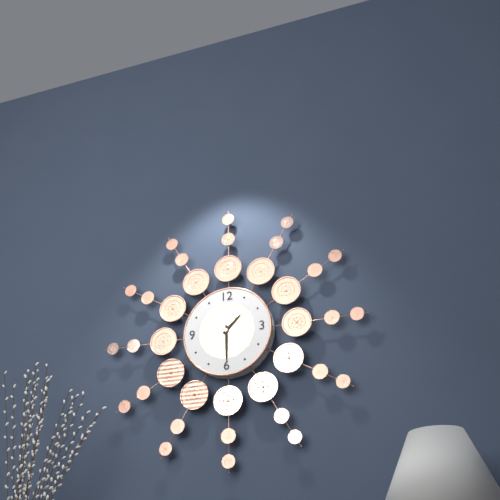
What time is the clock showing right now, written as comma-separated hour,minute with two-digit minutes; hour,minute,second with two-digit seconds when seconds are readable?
1,30
